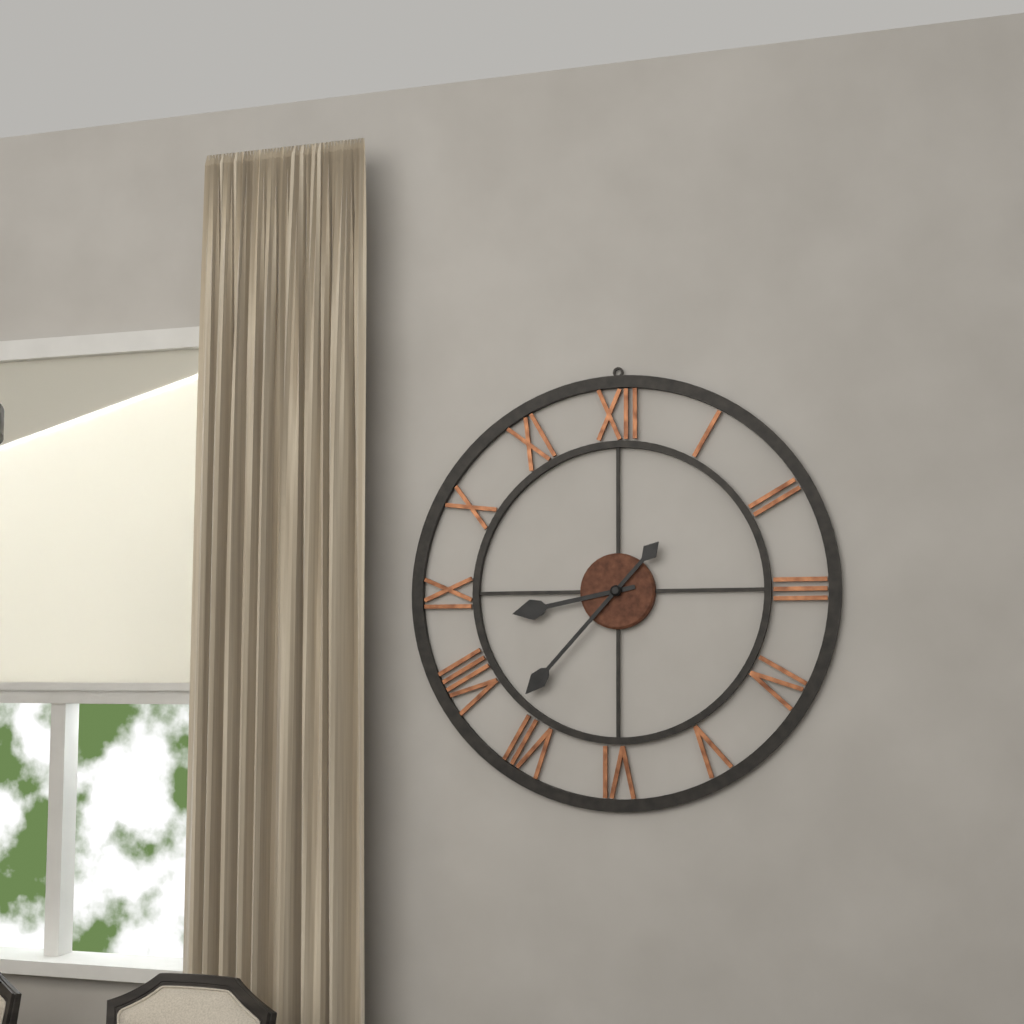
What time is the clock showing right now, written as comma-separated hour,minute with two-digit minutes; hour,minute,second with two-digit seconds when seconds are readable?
8,37
